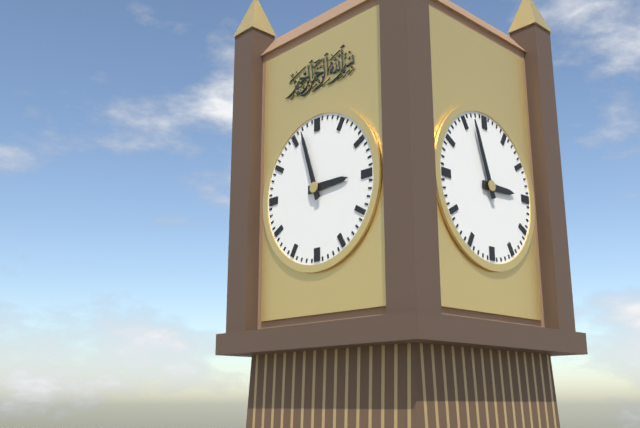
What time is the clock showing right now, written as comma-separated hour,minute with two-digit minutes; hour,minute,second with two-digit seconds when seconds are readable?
2,57
